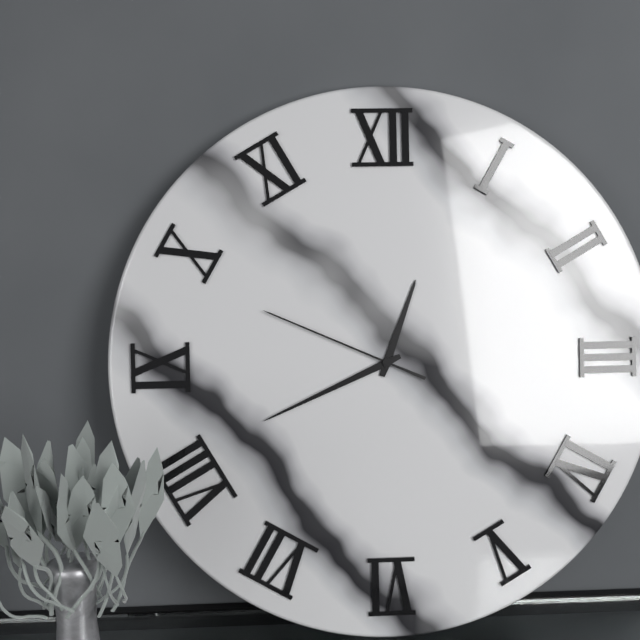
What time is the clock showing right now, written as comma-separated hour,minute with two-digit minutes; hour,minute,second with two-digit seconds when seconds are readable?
12,41,49
